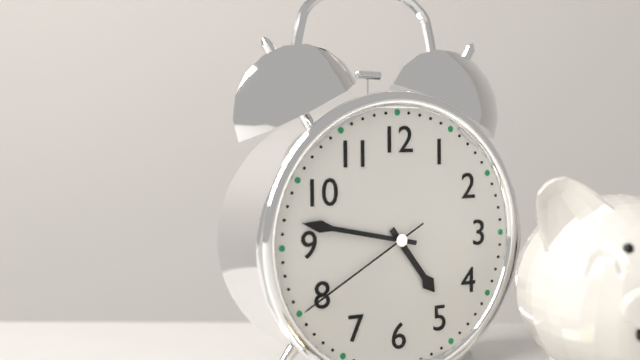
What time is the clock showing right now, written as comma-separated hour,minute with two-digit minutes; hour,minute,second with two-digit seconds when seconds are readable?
4,47,40
